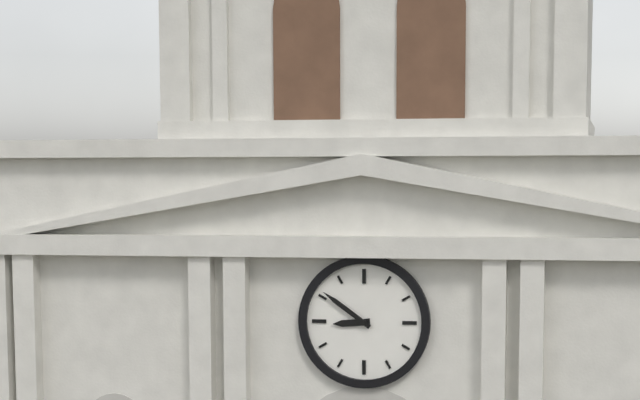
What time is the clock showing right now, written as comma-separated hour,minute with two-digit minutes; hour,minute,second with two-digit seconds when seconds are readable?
8,51
